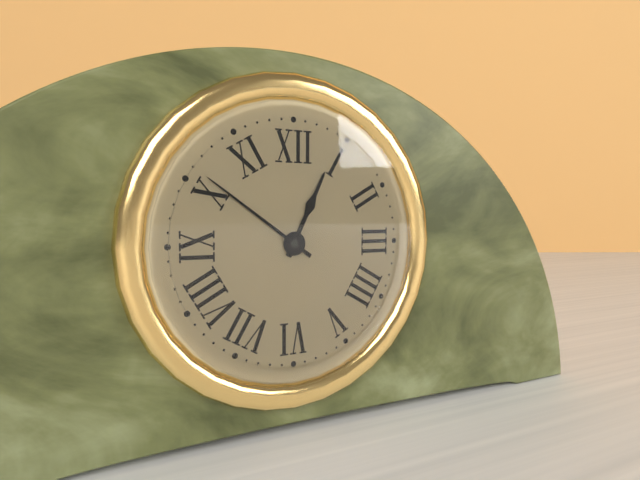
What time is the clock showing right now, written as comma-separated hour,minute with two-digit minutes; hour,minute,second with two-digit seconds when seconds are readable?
12,51
